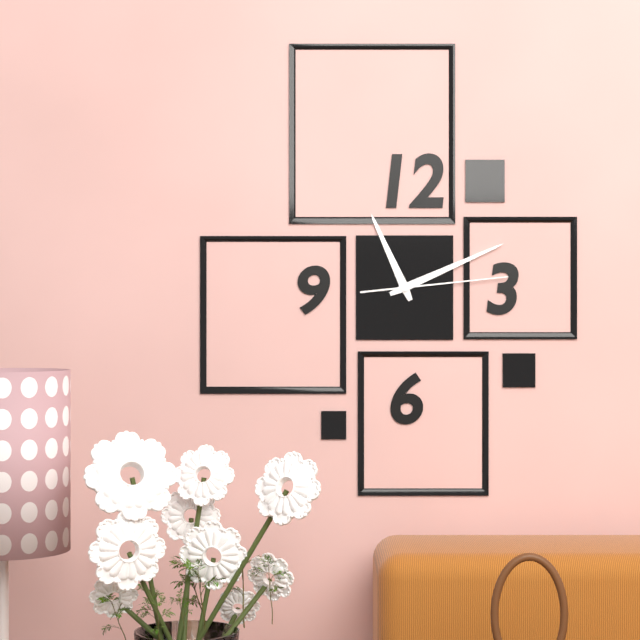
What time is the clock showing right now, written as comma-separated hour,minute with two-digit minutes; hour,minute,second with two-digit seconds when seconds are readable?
11,11,14
